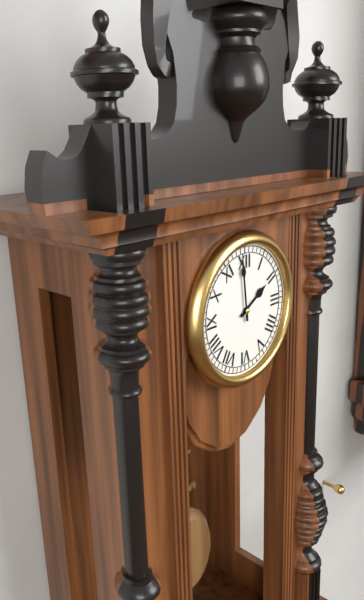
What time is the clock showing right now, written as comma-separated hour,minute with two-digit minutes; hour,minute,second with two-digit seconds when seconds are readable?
1,59
